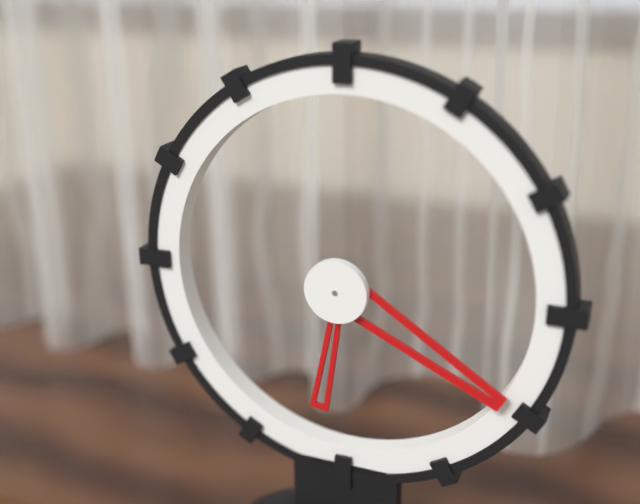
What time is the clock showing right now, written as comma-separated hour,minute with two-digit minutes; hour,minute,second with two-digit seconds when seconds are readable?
6,20
